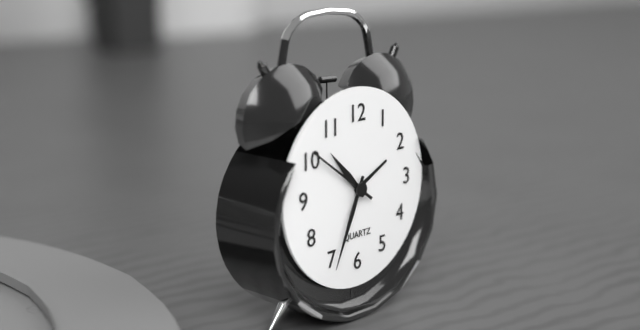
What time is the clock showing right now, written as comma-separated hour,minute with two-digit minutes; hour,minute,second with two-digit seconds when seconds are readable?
10,34,51
